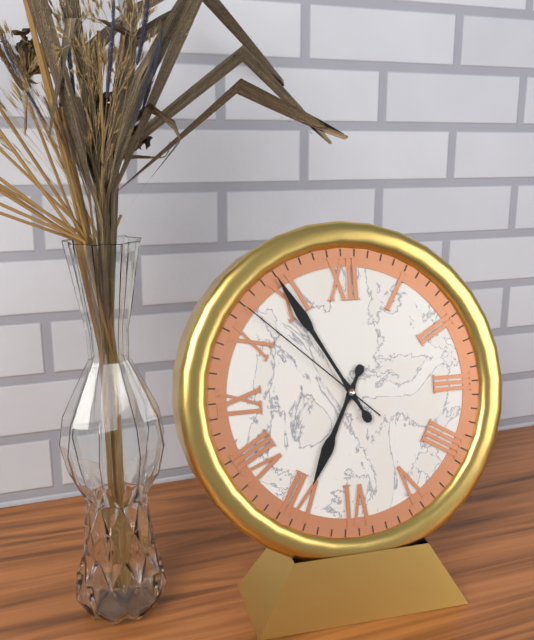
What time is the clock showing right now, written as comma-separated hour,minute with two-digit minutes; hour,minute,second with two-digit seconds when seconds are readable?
6,55,52
